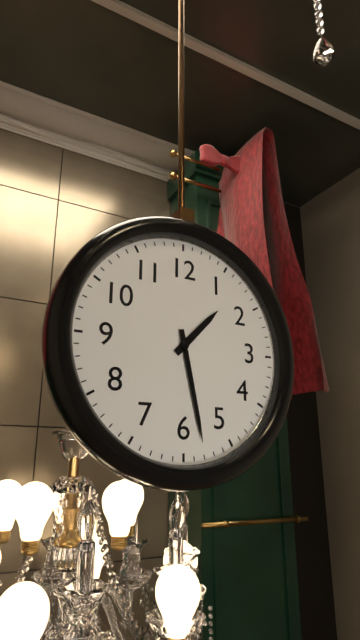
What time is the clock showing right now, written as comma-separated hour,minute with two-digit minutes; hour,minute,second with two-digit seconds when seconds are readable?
1,28
